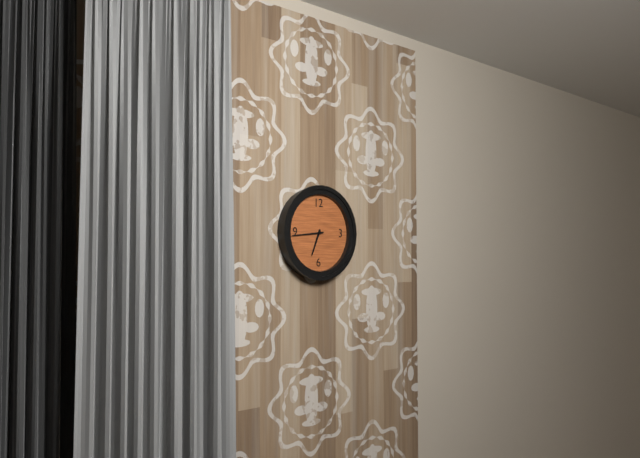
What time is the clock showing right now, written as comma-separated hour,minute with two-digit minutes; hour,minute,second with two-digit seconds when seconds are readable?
6,44
